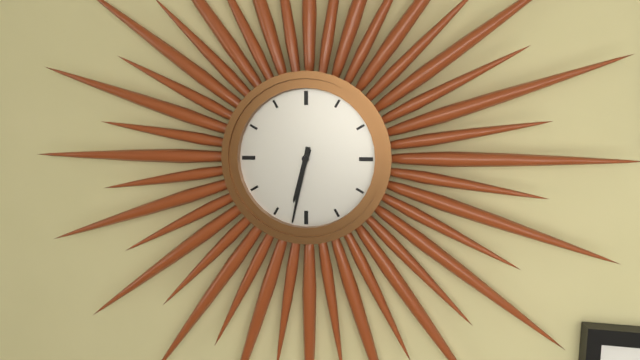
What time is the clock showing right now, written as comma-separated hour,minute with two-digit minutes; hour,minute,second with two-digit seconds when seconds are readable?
6,32
